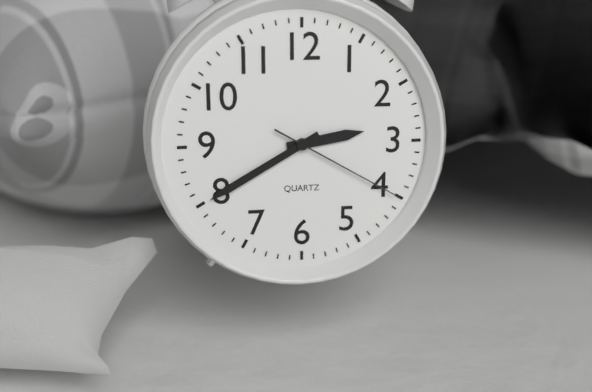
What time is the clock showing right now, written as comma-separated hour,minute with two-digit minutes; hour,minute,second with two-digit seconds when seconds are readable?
2,40,20
